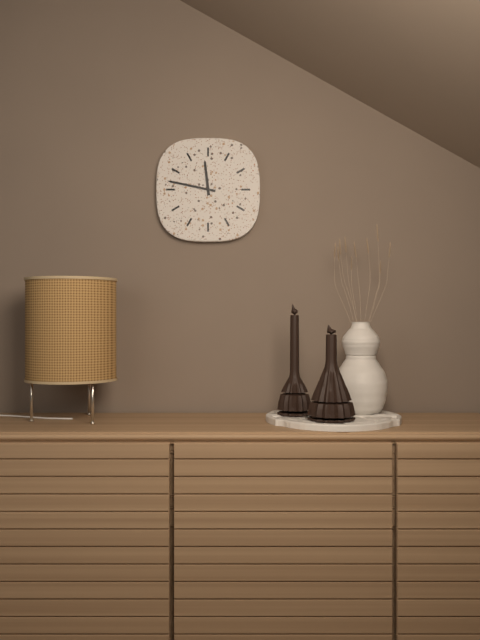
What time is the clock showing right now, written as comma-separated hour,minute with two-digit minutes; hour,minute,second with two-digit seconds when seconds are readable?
11,47
